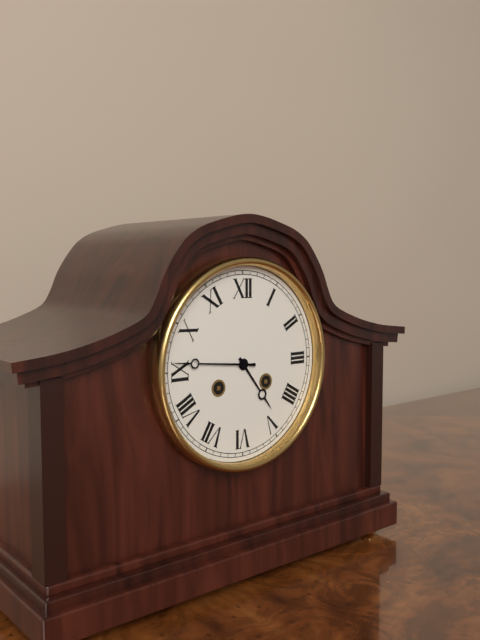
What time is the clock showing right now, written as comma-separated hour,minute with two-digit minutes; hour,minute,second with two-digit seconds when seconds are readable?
4,46
